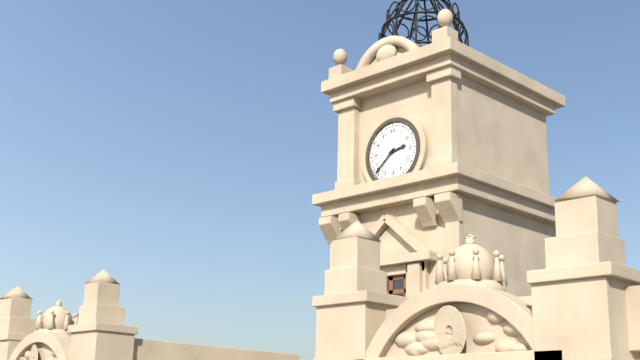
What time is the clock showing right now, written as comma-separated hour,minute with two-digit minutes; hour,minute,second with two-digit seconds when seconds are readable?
2,38
